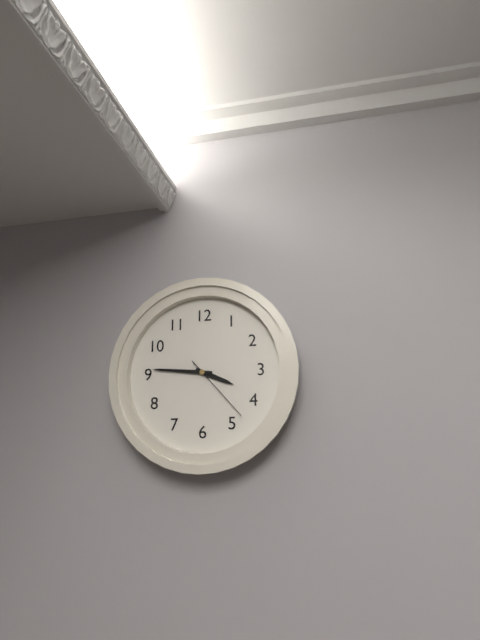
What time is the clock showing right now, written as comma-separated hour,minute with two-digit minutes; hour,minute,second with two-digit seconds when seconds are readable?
3,46,23
